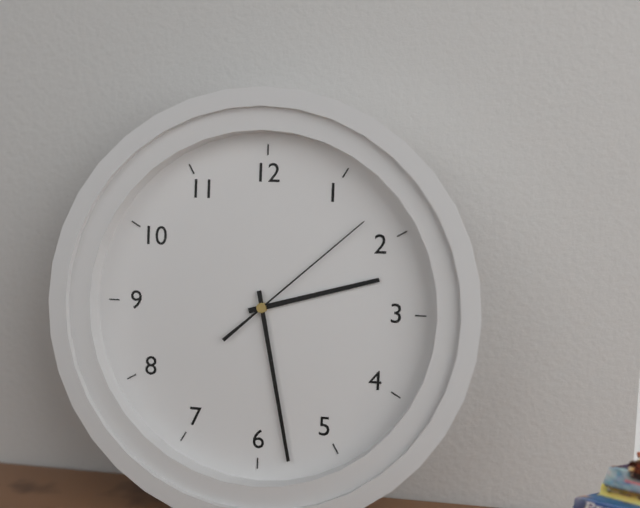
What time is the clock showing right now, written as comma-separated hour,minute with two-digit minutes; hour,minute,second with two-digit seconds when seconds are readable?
2,28,08
